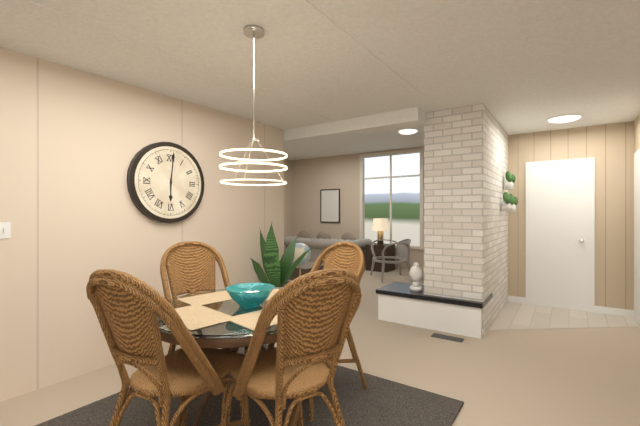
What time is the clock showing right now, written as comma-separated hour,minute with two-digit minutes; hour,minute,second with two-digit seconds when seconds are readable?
6,01
